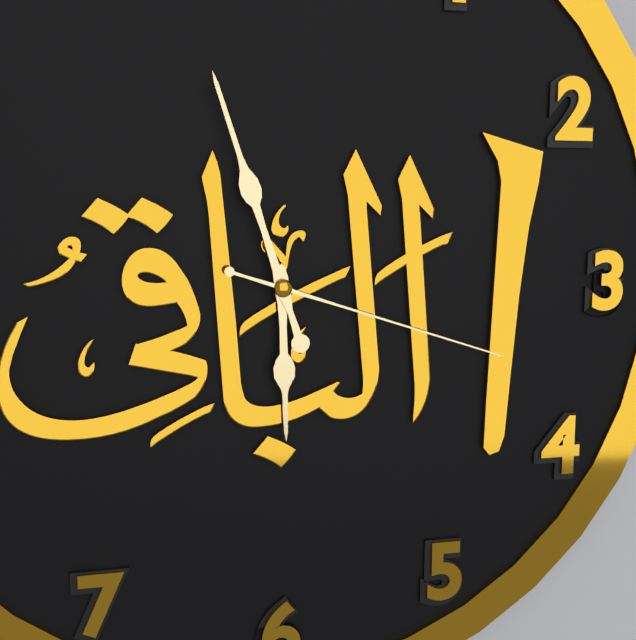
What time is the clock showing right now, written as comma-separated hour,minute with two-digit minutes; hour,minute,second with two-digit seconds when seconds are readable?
5,57,18
